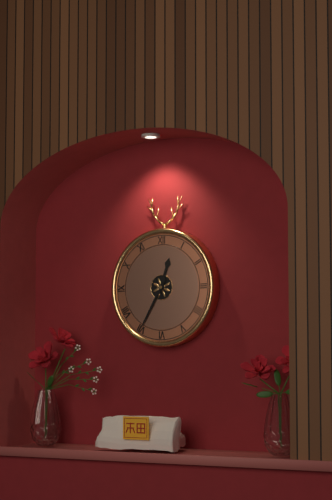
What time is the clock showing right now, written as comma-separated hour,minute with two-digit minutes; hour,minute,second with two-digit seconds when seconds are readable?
12,35
